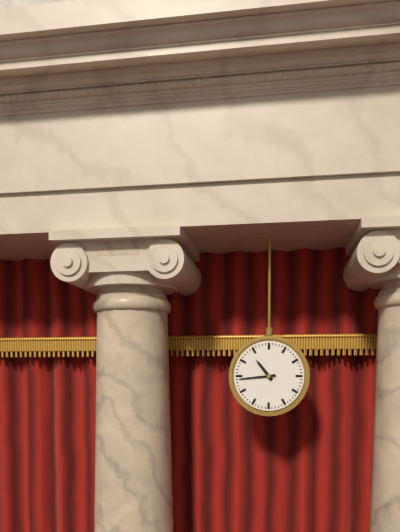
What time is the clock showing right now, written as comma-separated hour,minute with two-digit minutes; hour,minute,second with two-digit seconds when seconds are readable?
10,44
